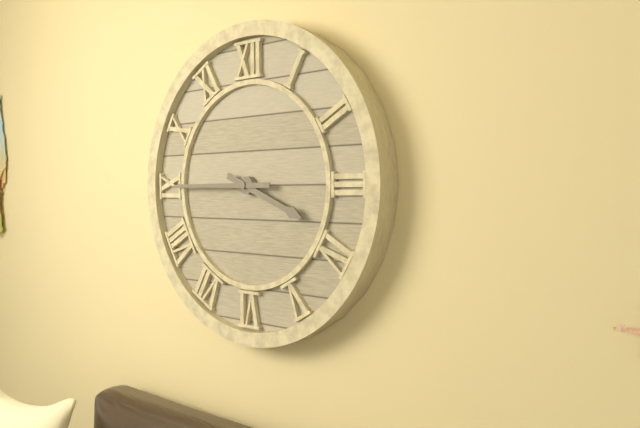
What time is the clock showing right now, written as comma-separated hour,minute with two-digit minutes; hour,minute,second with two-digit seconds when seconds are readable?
3,45
